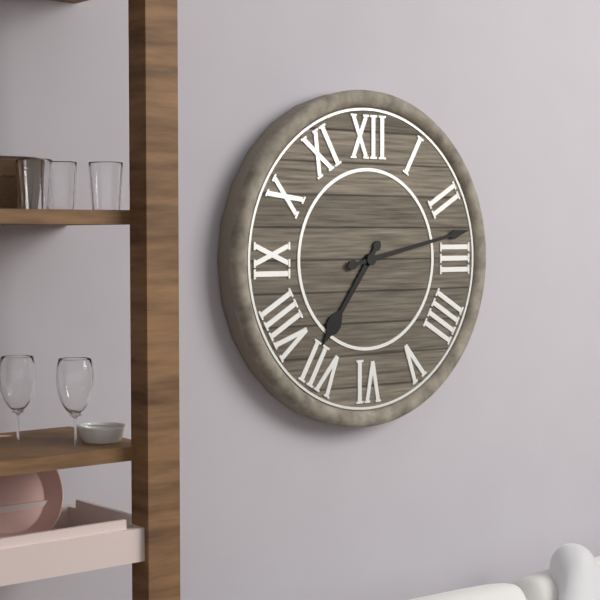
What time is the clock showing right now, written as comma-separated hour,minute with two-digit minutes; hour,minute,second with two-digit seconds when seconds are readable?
7,13
